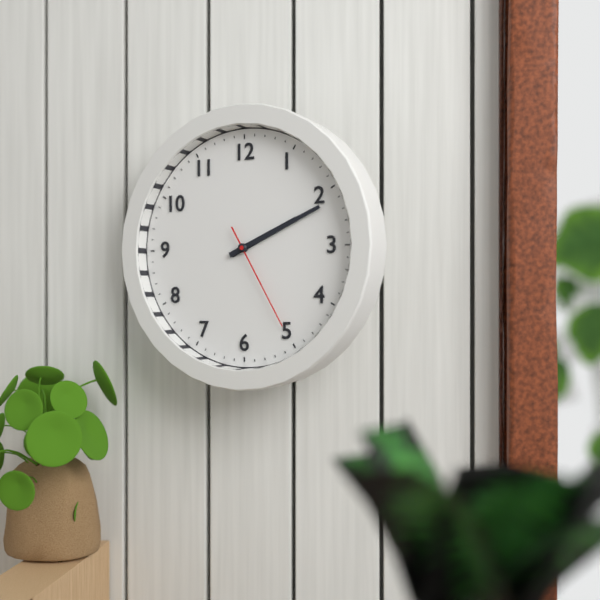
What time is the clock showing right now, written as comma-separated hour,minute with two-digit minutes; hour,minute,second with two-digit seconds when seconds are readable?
2,11,25
